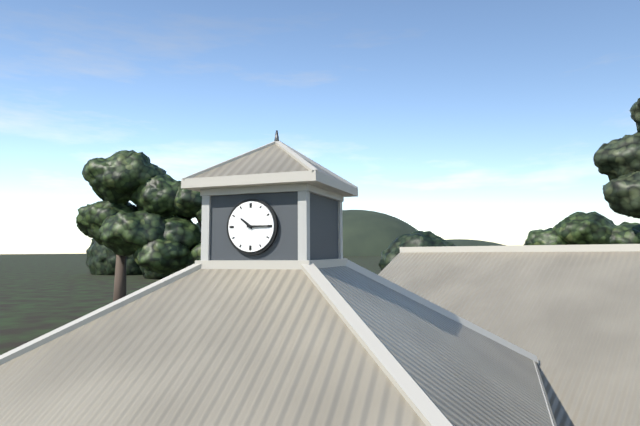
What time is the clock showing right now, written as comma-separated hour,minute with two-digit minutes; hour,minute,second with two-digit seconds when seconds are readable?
10,15
